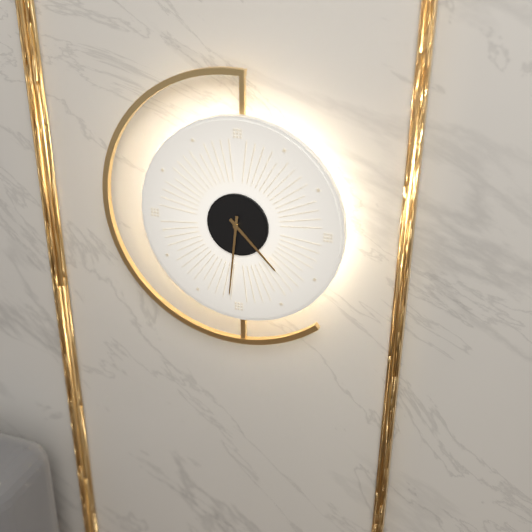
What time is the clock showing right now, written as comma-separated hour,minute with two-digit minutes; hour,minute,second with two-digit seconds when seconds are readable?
4,31
